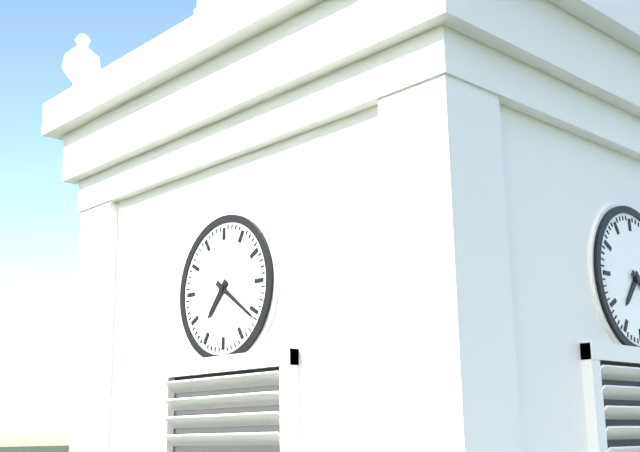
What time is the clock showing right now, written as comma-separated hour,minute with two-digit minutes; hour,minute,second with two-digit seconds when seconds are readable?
7,21
